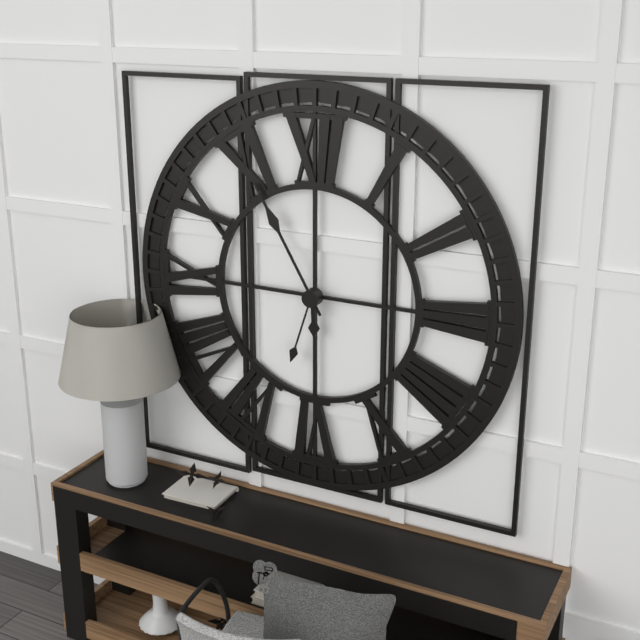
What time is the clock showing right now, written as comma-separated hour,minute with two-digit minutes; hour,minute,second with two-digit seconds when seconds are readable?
5,55,33
